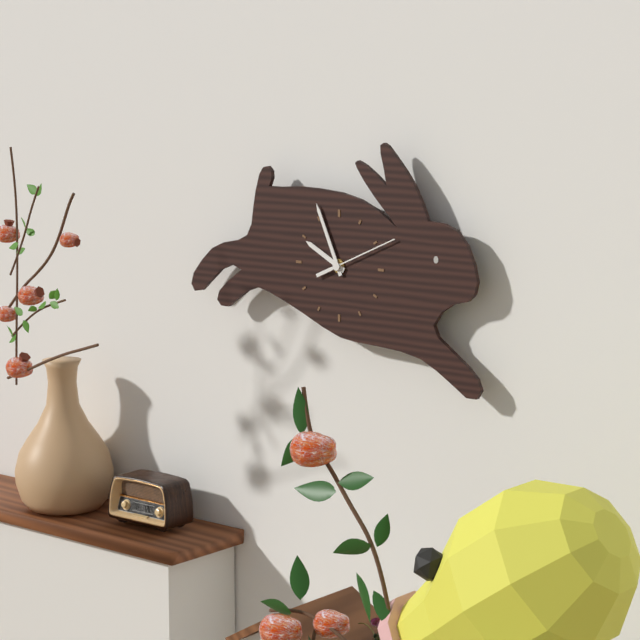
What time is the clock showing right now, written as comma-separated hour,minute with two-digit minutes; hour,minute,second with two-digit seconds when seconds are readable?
9,56,11
